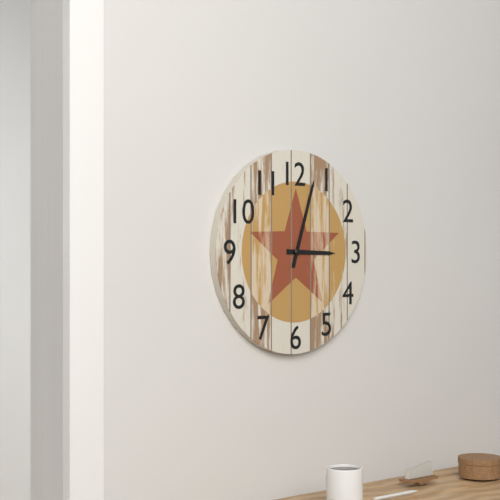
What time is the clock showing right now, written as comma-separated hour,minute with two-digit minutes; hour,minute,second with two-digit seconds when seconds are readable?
3,03
